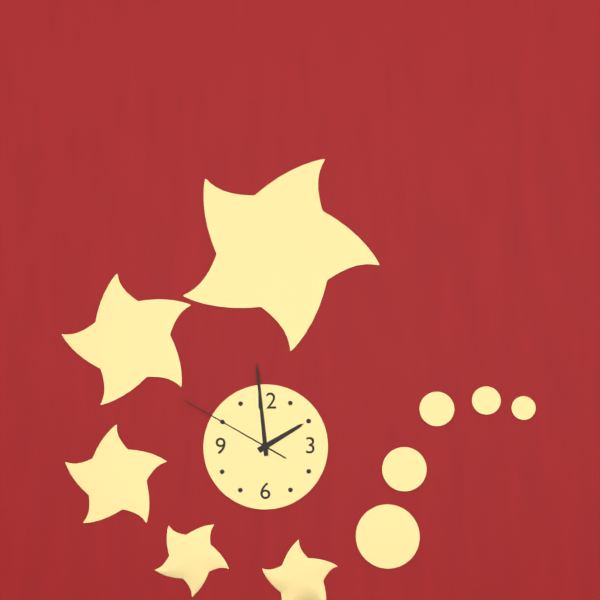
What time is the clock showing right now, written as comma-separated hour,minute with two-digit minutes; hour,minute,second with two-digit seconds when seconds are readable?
1,59,50
